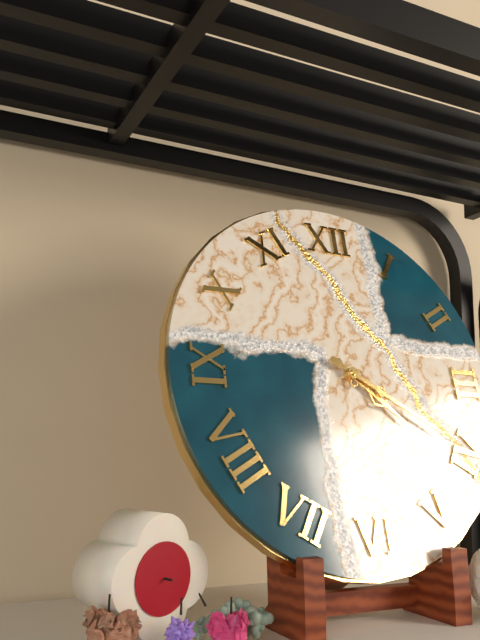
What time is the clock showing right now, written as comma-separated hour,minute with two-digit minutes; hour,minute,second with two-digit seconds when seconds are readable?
4,20
